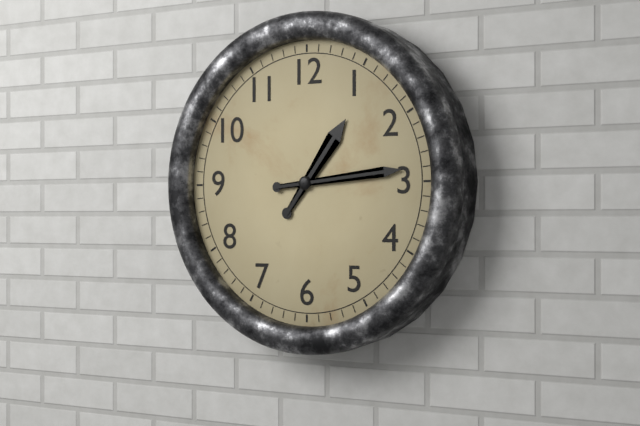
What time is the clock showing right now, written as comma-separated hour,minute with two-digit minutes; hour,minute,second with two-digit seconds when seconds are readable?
1,14
